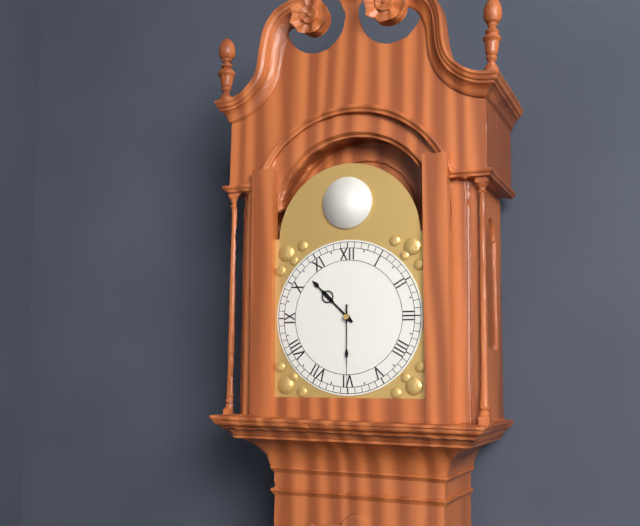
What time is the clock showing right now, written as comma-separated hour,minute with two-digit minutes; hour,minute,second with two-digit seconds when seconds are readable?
10,30
